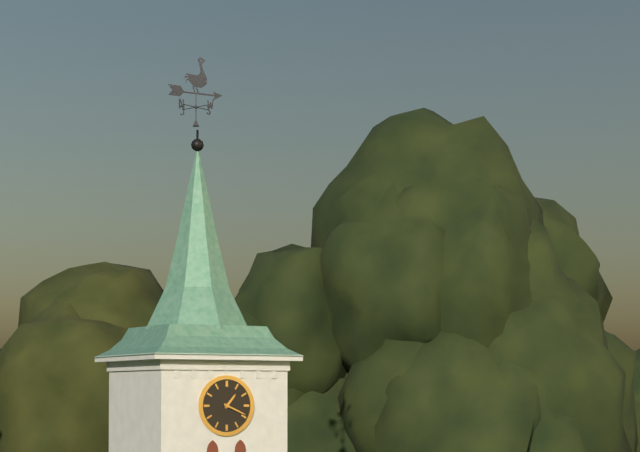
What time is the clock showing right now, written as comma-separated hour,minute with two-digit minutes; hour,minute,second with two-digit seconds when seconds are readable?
1,19
